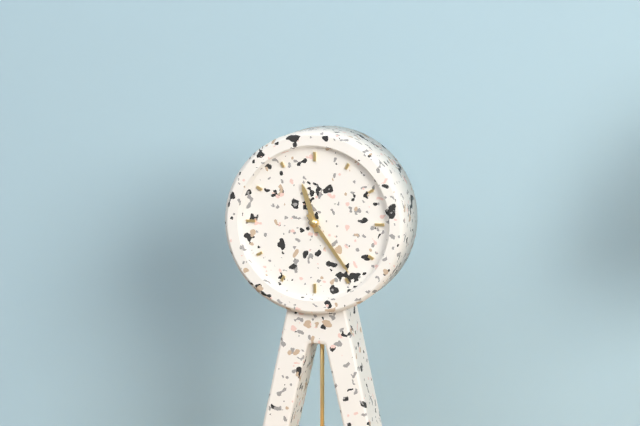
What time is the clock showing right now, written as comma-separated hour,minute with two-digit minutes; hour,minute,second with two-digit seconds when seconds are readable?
11,24
